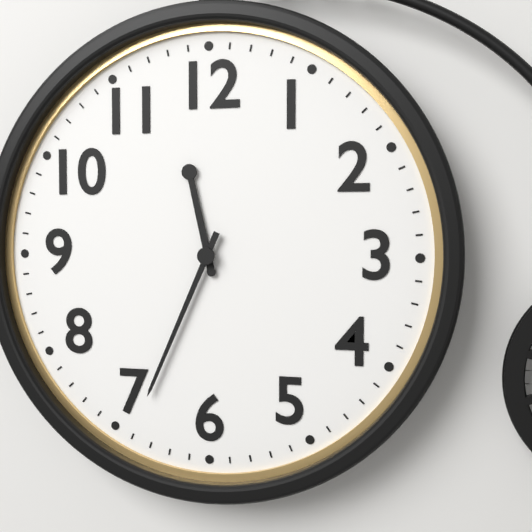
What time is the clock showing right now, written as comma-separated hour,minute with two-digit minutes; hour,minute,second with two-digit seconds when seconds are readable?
11,34
